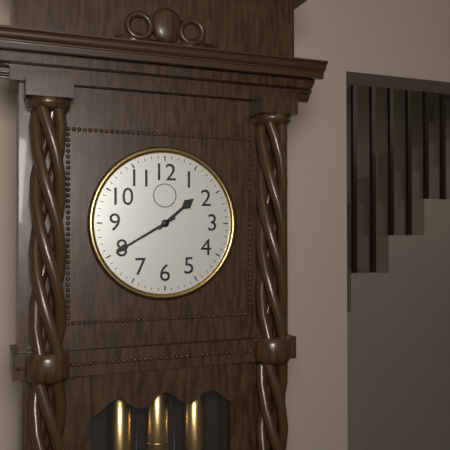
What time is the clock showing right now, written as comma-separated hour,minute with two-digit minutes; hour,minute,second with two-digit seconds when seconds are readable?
1,40
